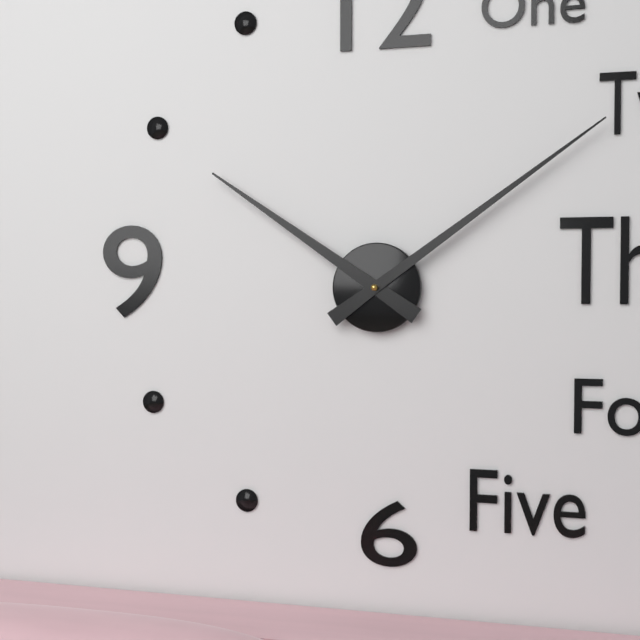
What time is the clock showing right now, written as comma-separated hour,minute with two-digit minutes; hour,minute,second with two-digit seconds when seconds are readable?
10,09
